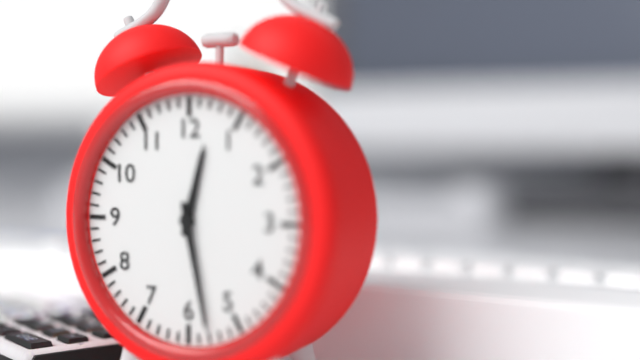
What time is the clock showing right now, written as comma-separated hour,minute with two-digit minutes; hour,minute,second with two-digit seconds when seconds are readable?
12,28
